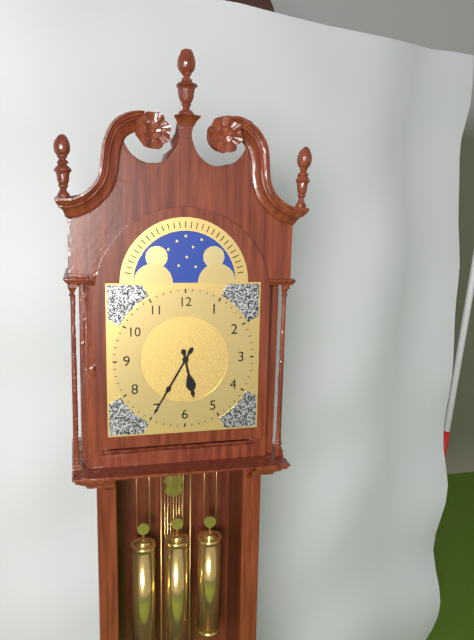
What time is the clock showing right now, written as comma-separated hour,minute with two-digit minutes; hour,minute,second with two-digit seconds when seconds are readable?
5,35
